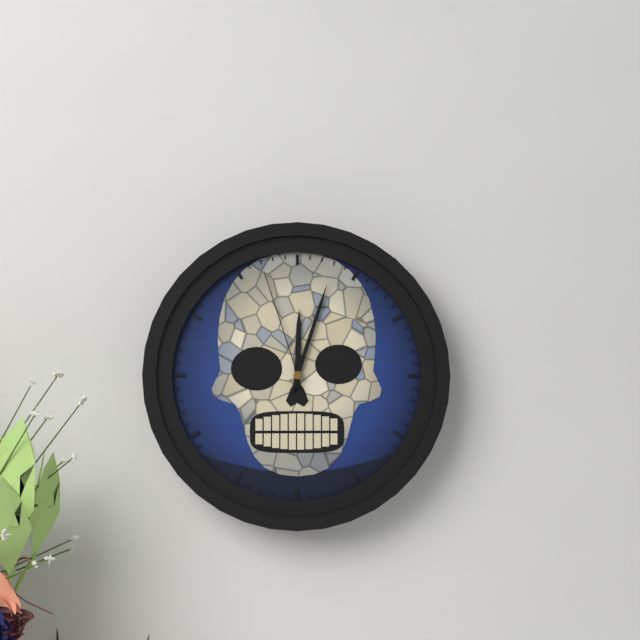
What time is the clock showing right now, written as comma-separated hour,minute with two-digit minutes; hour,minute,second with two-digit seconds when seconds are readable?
12,03,57
